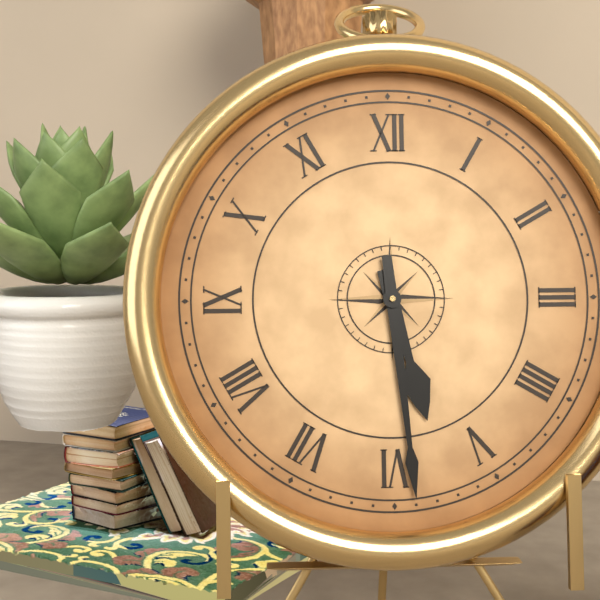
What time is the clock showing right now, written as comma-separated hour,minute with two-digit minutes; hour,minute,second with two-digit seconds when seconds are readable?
5,29
